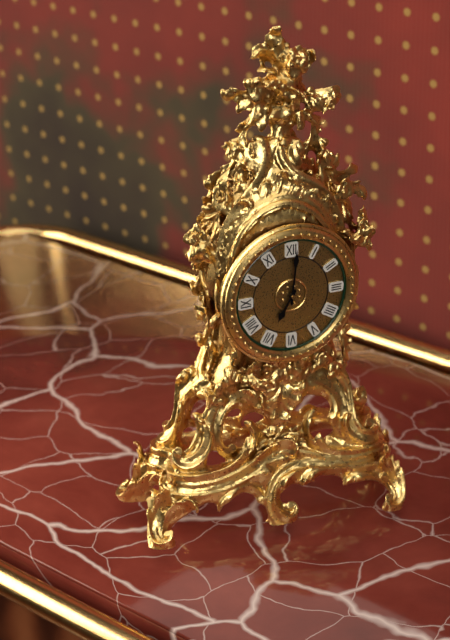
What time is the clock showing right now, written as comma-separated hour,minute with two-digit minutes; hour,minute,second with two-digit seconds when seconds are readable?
7,01
